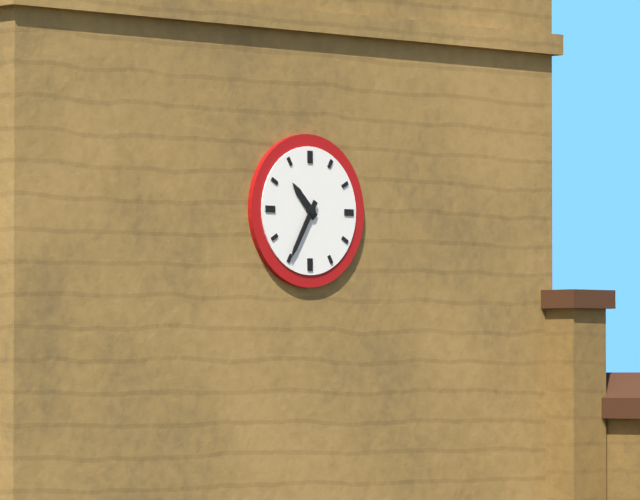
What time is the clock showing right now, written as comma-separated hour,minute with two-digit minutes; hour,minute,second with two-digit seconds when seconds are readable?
10,35
